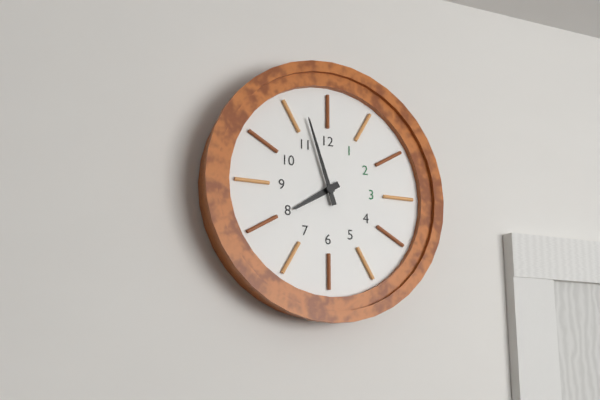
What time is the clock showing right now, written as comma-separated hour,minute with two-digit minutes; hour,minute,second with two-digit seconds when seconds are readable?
7,57
